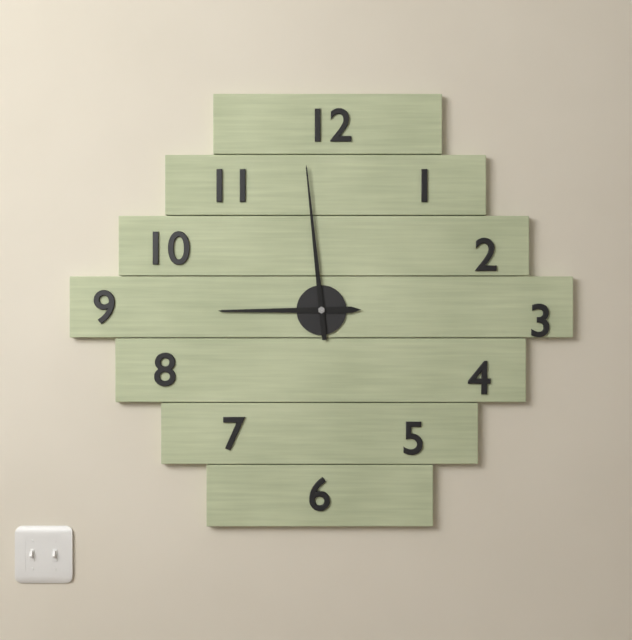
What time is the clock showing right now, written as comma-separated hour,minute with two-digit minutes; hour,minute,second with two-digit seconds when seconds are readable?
8,59
